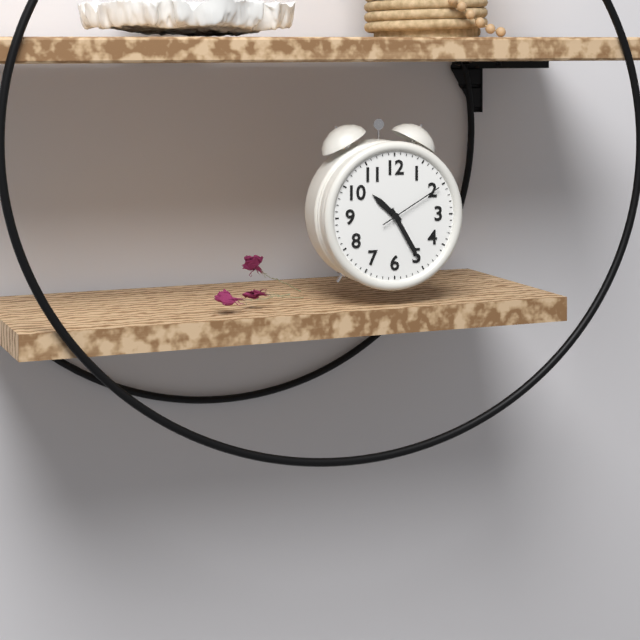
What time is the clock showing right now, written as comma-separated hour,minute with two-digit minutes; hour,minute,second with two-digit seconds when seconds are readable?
10,25,10
